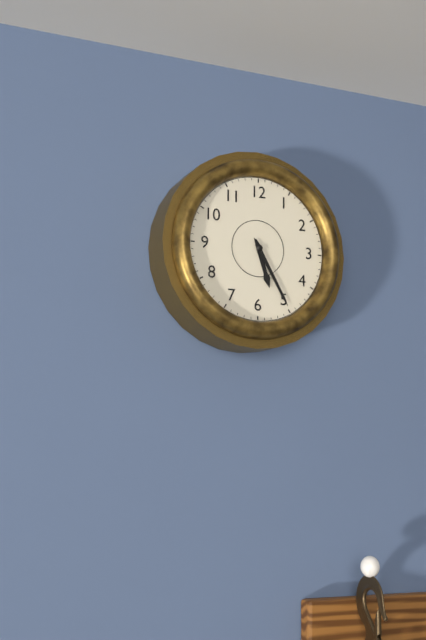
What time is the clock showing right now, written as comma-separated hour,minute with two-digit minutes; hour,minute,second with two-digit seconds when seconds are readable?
5,25
